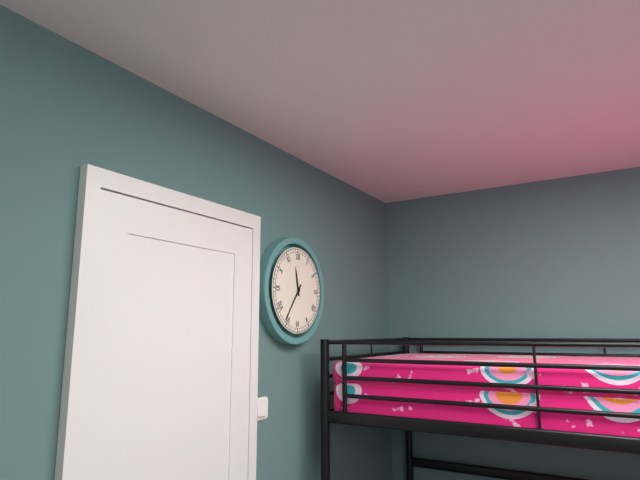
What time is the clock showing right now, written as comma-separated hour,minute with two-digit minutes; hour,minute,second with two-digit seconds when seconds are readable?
11,36
